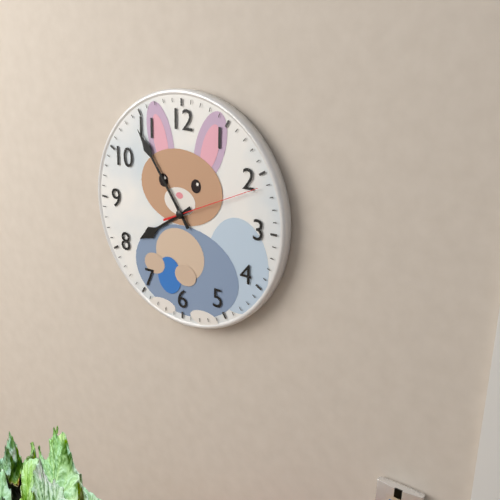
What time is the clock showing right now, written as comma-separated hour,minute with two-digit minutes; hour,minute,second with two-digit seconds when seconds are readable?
7,54,11
